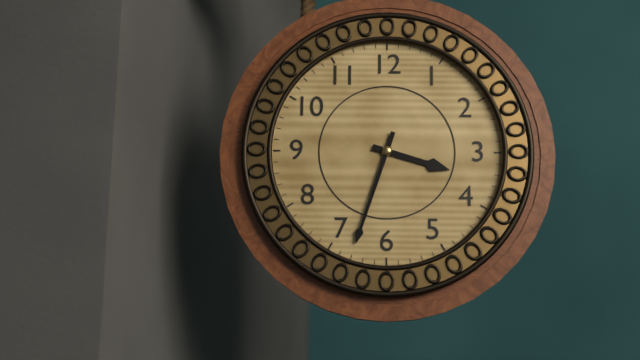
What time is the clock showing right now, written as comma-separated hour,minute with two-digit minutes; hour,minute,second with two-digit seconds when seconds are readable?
3,33
